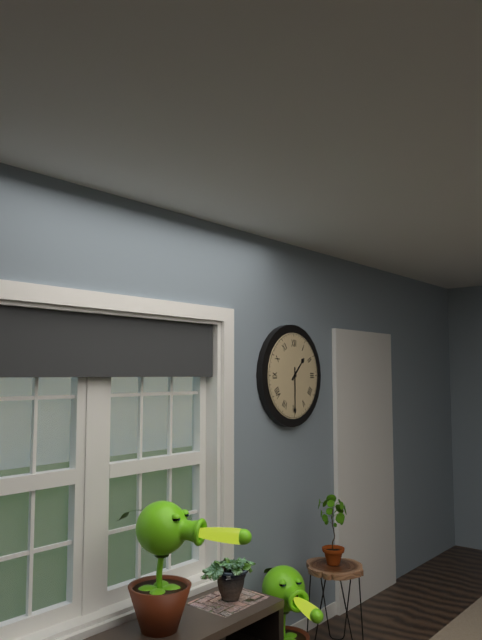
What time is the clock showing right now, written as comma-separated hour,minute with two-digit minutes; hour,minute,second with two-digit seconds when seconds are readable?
1,30
